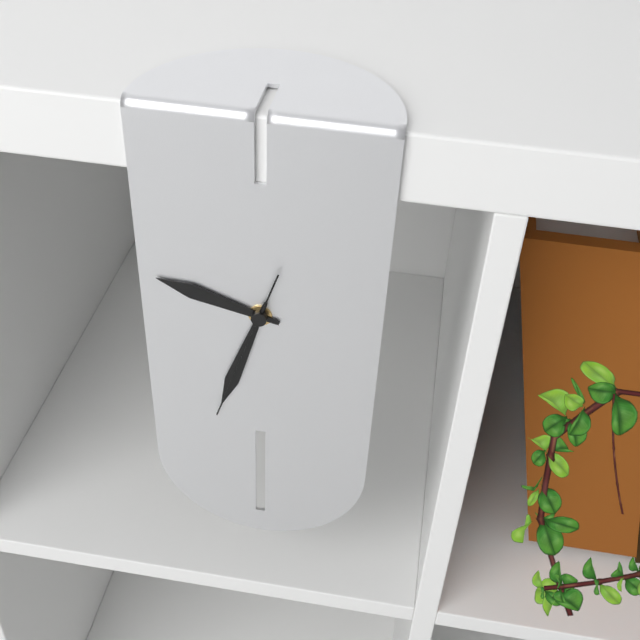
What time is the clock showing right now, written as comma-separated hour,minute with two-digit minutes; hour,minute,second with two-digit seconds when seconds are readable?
9,33,33
